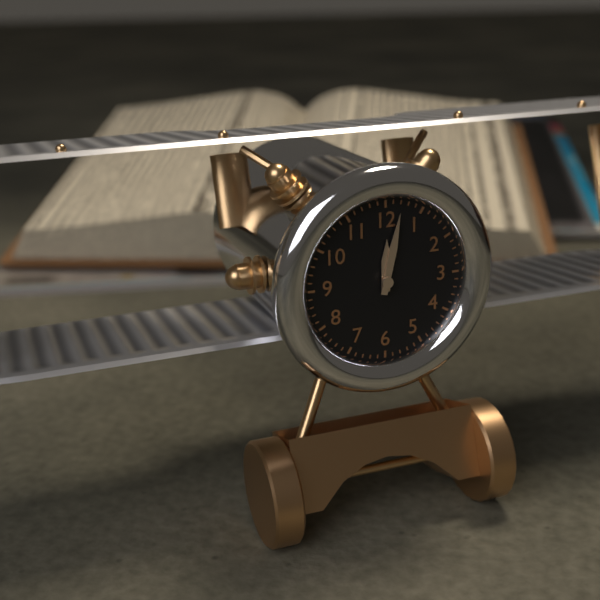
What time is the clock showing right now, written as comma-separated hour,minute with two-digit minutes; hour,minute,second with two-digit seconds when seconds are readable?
12,02
